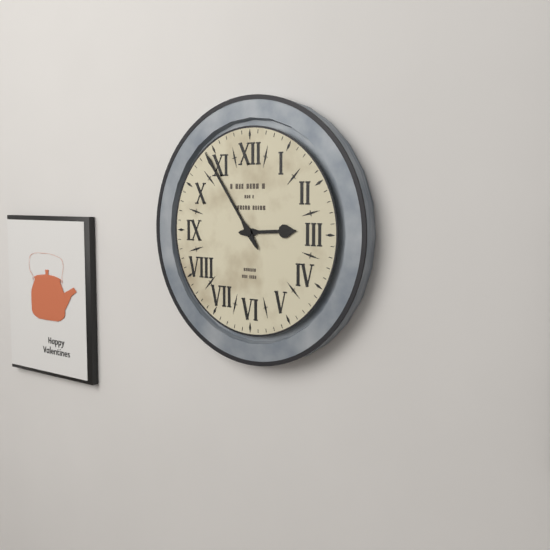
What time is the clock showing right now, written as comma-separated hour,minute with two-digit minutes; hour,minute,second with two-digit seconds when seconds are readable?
2,54
